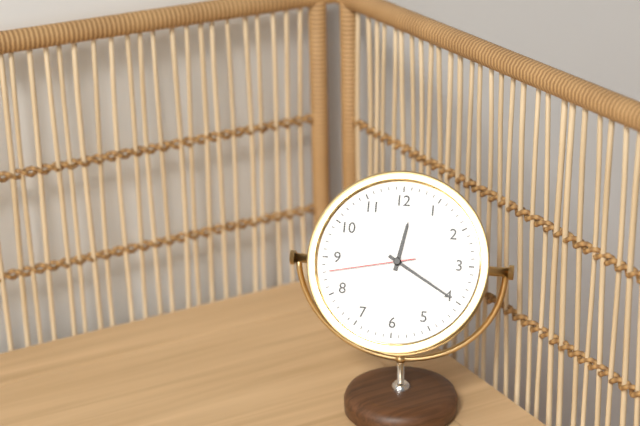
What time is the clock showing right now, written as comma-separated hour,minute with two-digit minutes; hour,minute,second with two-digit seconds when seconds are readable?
12,20,43
